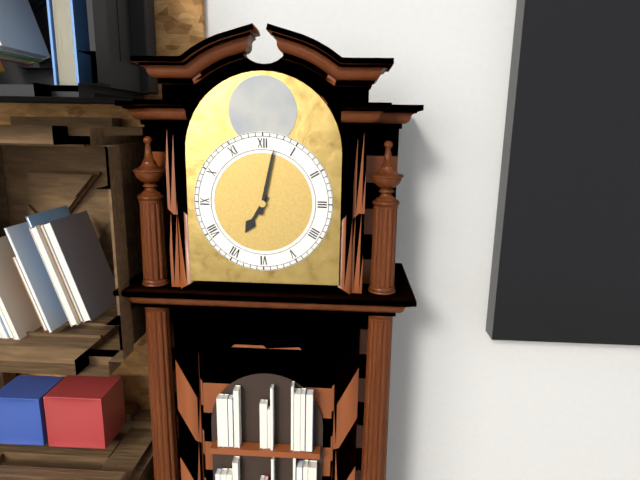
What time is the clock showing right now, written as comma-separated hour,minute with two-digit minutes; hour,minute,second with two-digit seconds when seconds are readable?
7,02
